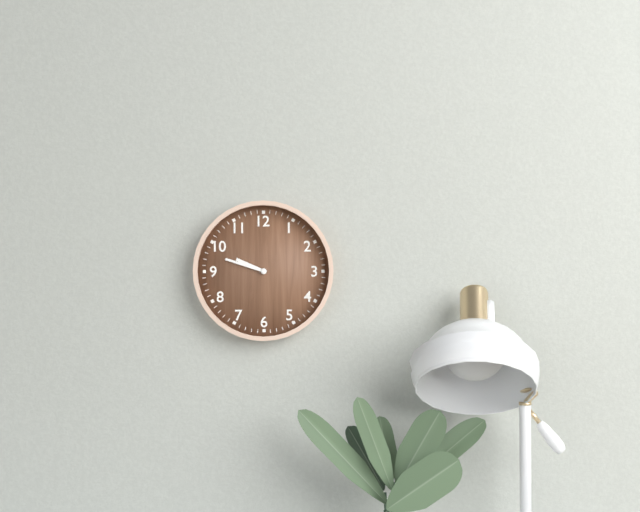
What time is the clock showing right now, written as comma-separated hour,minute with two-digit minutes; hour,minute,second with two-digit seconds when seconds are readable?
9,48
